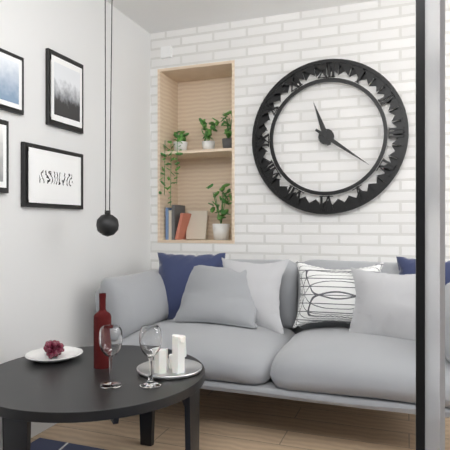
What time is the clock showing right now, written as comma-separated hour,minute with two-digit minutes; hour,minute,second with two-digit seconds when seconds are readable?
11,21
